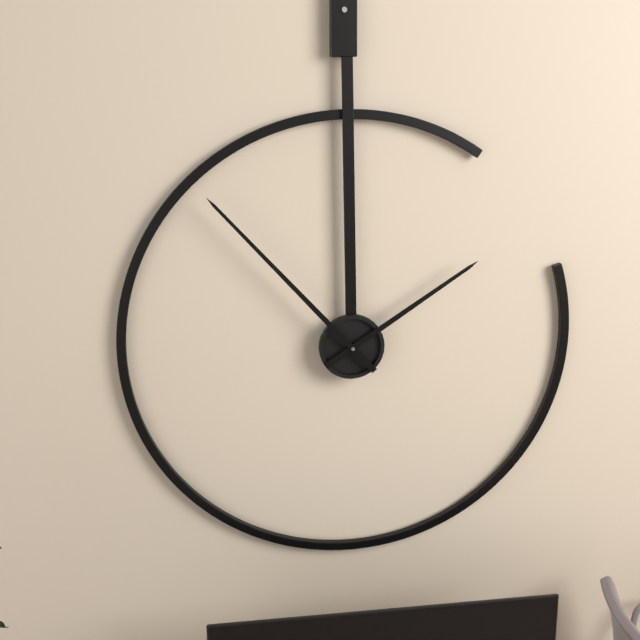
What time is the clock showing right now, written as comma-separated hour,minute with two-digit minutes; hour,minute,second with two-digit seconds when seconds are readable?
1,53
